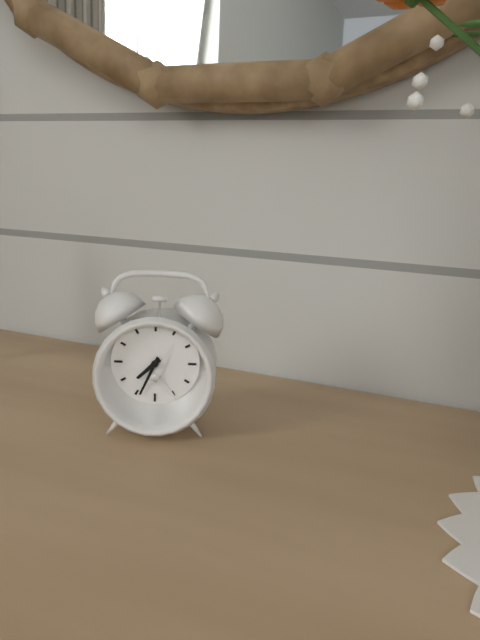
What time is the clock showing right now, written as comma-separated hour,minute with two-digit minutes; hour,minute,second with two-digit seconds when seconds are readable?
7,34
